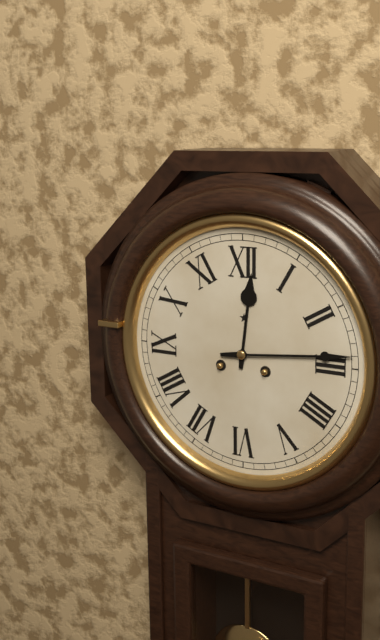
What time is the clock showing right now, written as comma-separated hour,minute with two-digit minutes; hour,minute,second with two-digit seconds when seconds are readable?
12,14
